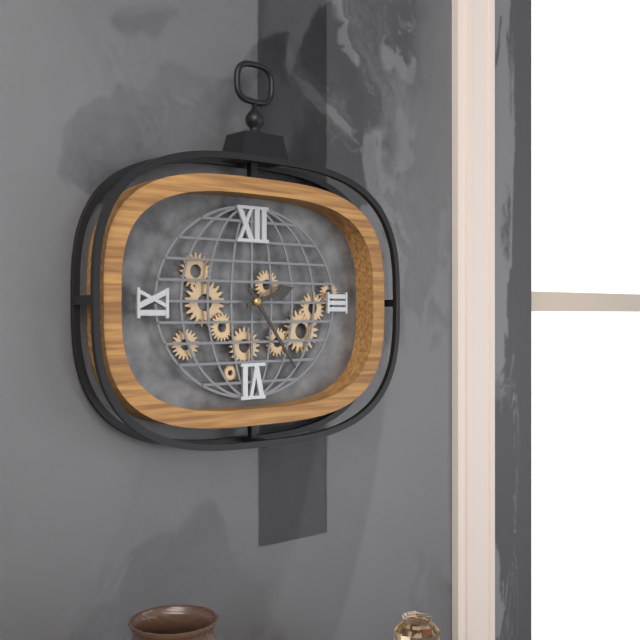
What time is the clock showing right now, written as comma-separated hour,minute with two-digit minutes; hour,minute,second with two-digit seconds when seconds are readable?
2,24
